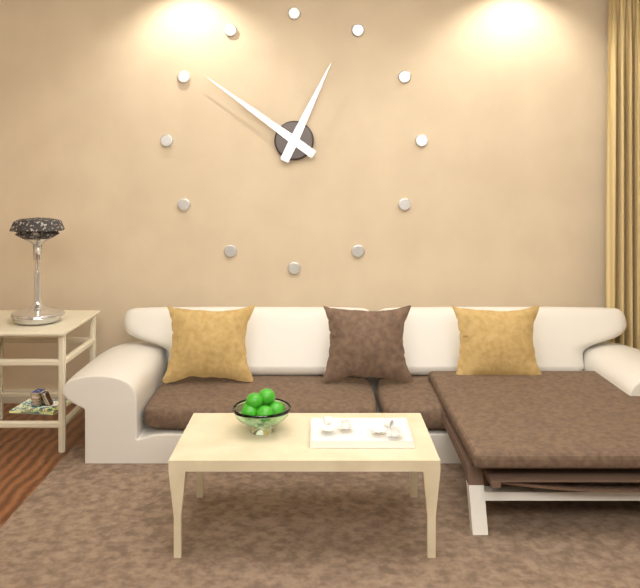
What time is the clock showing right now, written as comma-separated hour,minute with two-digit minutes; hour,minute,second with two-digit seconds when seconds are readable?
12,51
